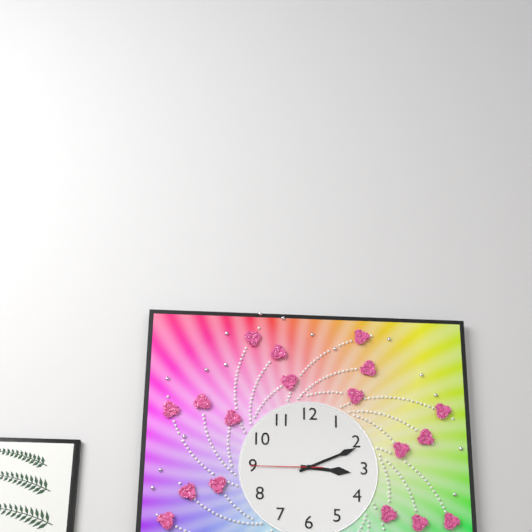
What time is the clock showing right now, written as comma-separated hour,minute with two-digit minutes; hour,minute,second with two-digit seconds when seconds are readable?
3,11,45
